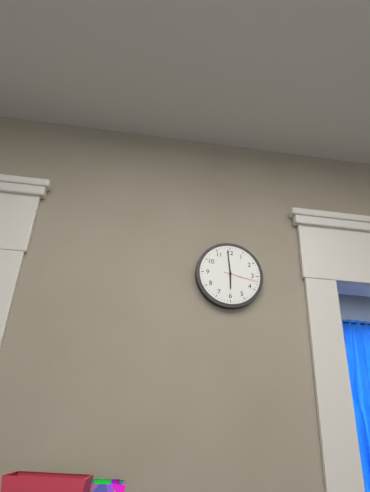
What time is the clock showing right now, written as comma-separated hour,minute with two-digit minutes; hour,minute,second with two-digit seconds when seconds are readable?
5,59
